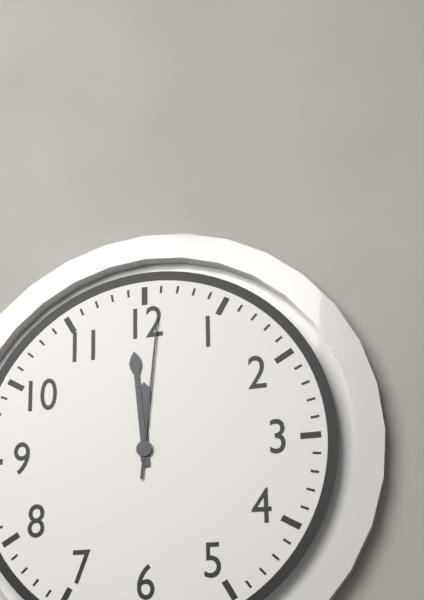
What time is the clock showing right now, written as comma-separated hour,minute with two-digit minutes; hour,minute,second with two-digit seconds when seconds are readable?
11,59,01
